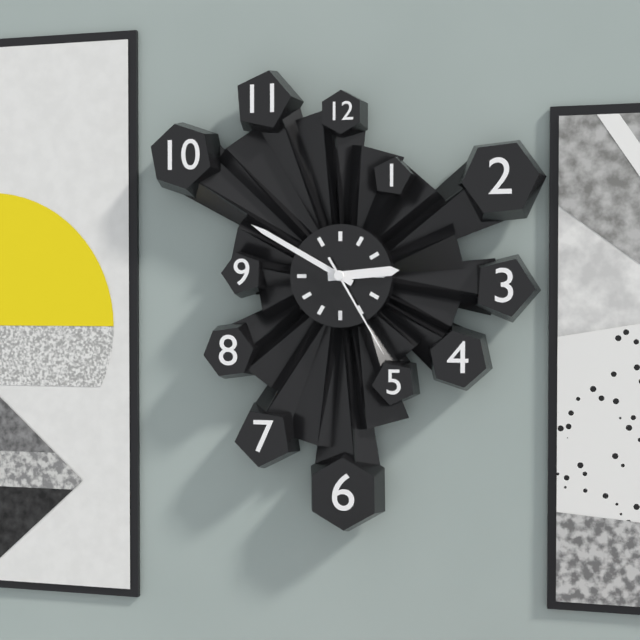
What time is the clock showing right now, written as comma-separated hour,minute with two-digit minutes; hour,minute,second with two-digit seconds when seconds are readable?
2,50,25
